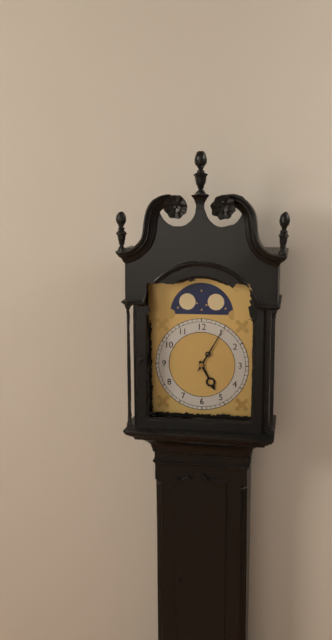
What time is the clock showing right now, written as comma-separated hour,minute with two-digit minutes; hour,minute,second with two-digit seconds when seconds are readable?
5,05
